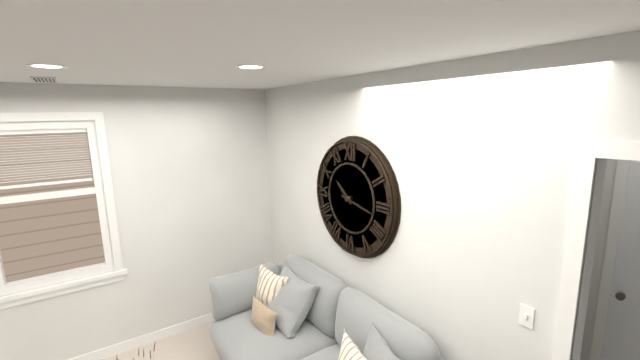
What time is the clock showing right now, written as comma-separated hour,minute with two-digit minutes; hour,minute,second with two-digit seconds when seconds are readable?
10,17
